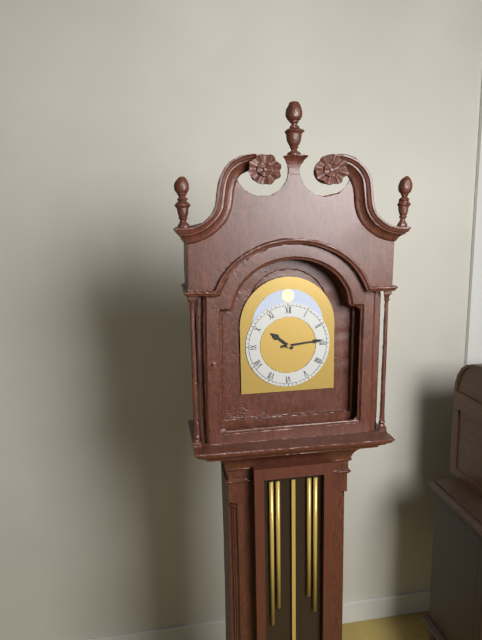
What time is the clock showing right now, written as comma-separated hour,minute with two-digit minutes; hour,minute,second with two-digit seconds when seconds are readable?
10,14
